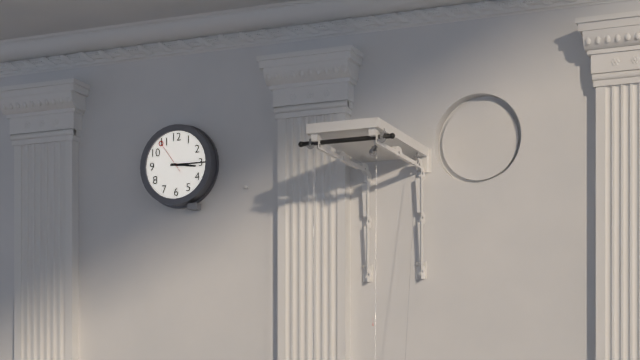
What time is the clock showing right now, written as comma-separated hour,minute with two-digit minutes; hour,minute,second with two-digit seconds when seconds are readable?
3,15
